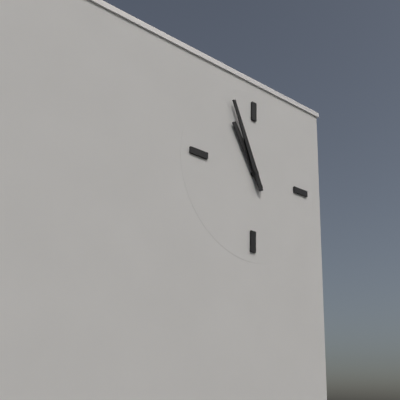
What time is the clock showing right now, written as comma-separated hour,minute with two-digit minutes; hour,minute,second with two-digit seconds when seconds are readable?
10,56
